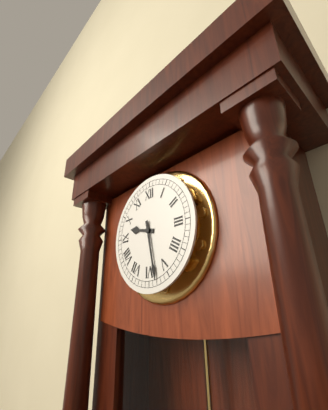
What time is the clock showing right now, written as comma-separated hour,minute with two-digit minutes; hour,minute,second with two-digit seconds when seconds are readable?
9,28
